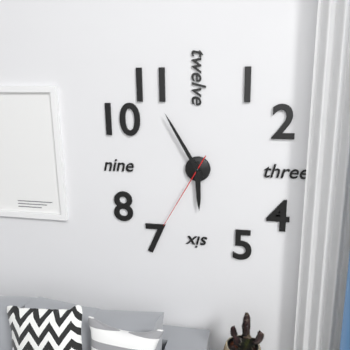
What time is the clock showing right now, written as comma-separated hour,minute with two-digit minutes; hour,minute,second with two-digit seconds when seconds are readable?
5,55,35
